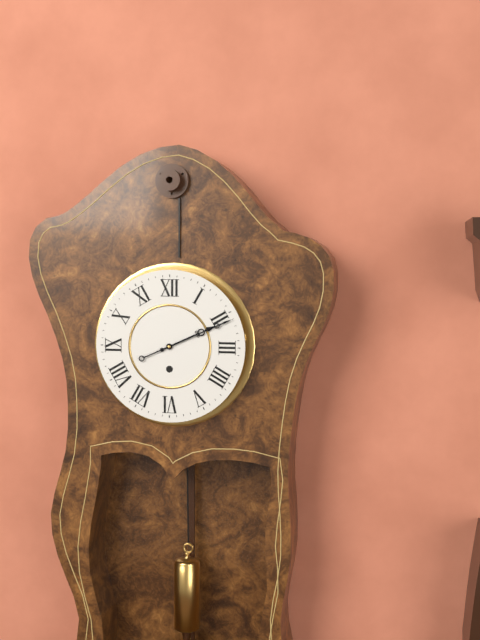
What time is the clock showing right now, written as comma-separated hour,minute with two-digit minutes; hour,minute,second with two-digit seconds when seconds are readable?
2,11
